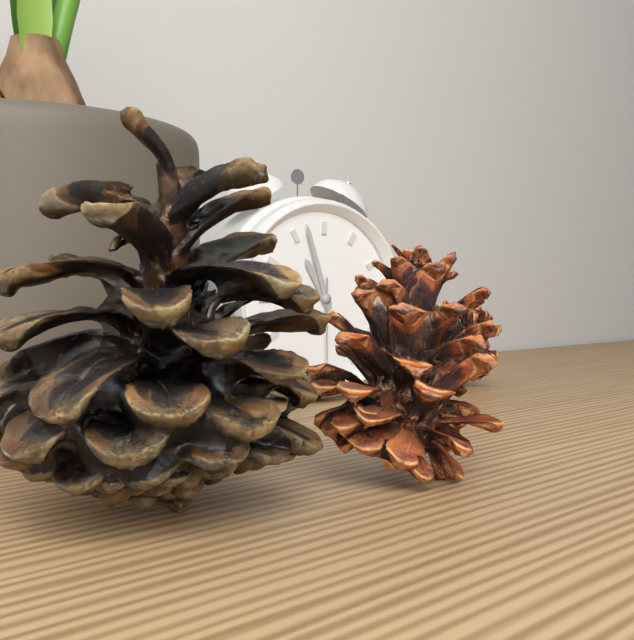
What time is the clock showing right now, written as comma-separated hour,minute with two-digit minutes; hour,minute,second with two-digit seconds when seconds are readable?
10,57,30
